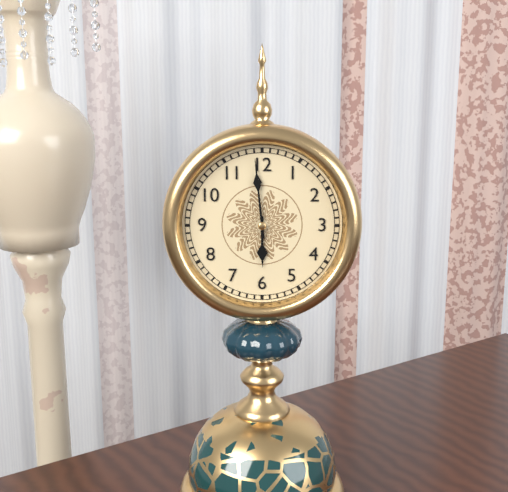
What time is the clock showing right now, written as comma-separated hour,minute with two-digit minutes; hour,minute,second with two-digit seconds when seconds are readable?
5,59
